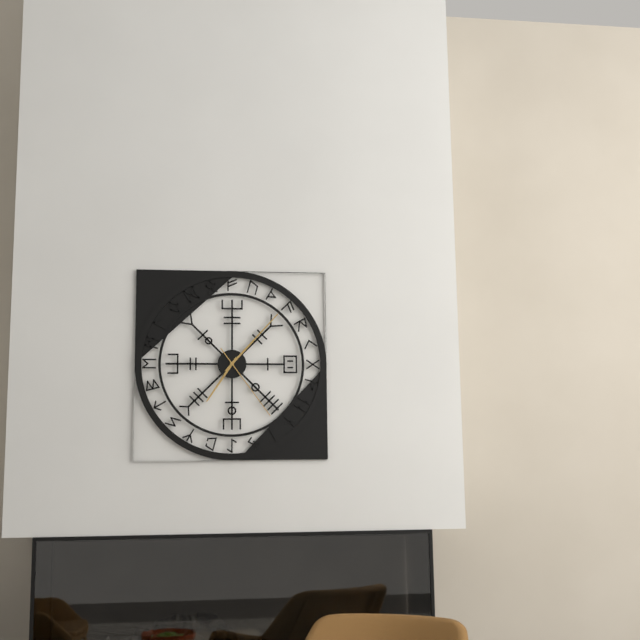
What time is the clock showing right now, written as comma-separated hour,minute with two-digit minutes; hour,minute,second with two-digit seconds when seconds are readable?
7,07,24
